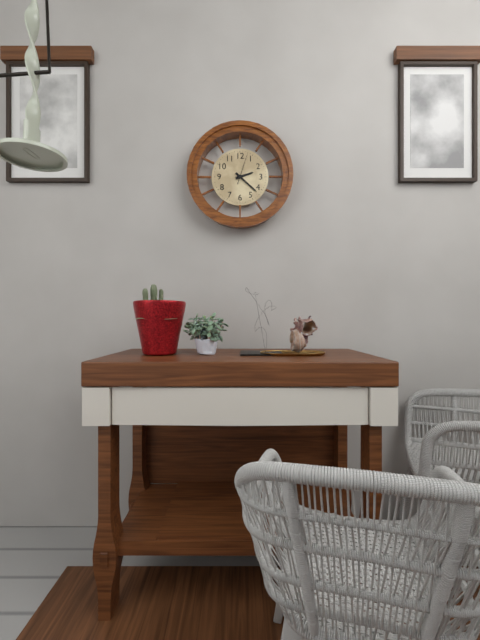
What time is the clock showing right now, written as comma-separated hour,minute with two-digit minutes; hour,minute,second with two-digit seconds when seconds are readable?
2,22
